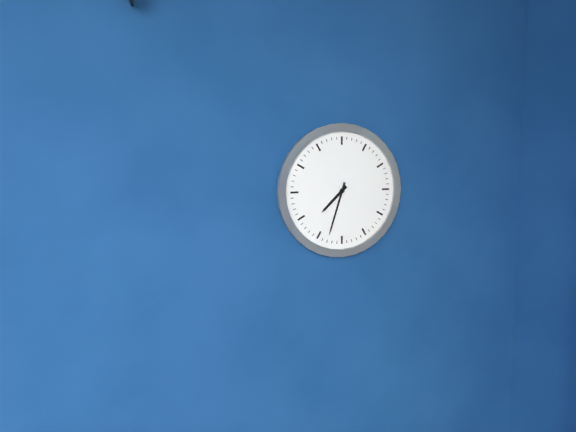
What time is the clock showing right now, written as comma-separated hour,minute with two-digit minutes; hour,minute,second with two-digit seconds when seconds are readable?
7,33
